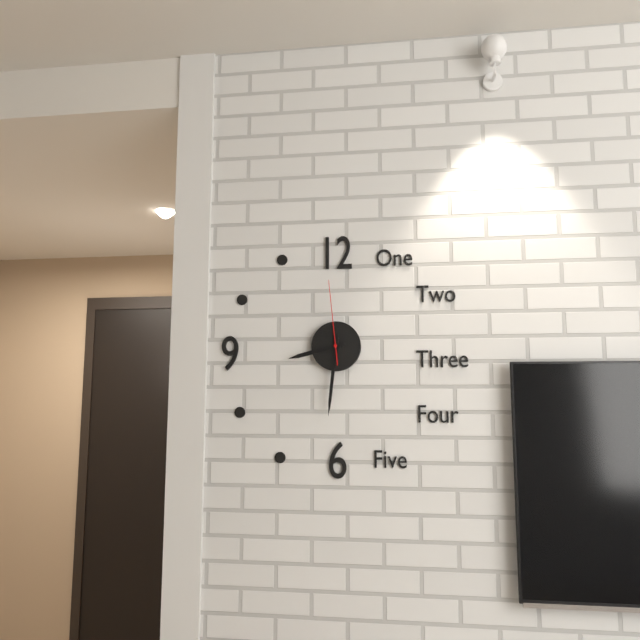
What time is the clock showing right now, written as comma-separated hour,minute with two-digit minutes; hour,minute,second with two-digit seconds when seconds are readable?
8,31,59
